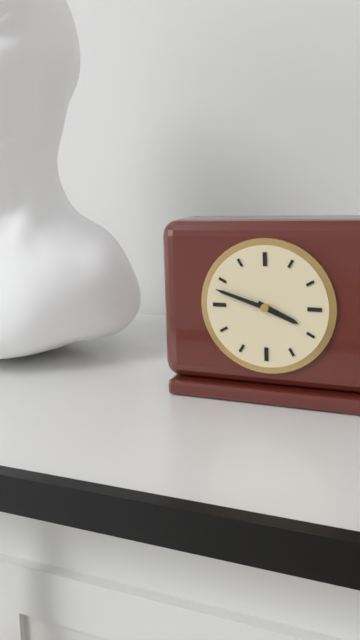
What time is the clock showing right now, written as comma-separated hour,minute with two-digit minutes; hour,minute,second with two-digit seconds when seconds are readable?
3,48
